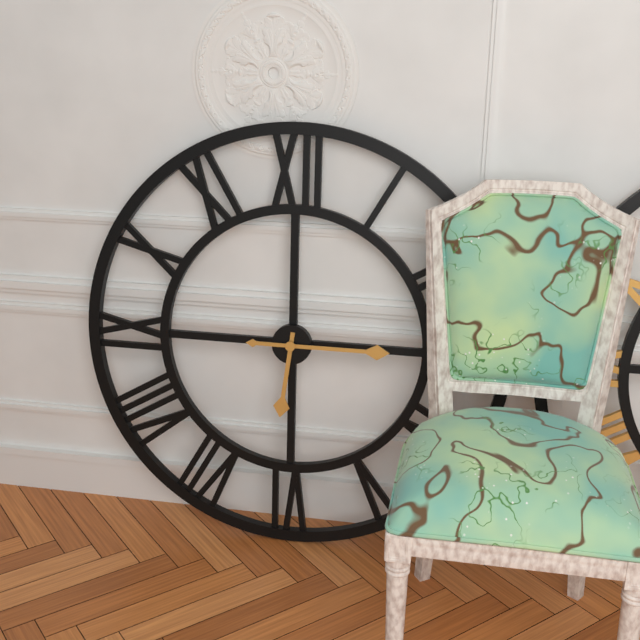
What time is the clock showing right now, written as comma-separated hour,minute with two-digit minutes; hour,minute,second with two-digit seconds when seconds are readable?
6,15
